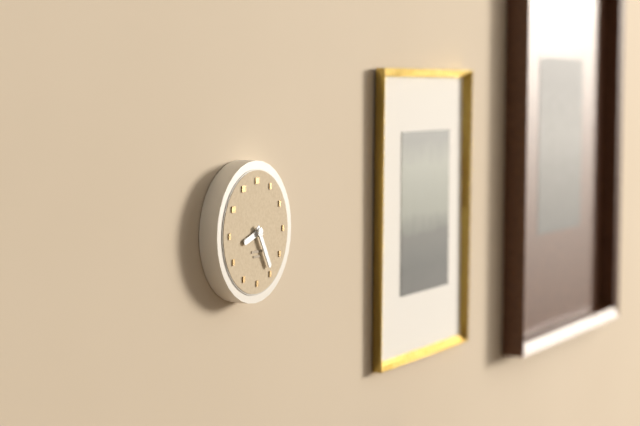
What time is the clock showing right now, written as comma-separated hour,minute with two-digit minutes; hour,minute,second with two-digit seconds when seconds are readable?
8,25
